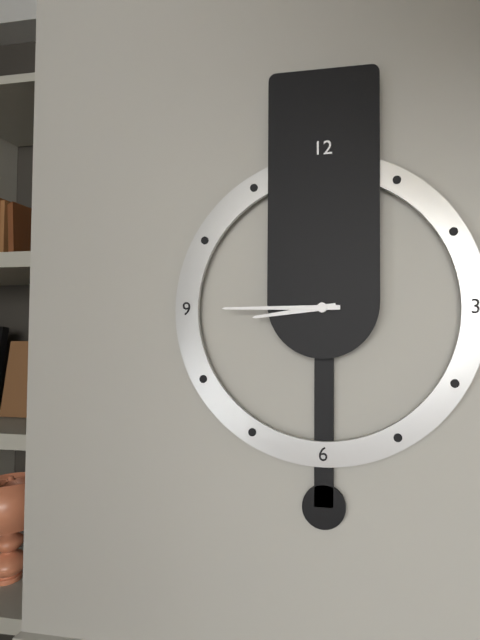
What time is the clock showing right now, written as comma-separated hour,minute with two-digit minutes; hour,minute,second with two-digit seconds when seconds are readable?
8,45
